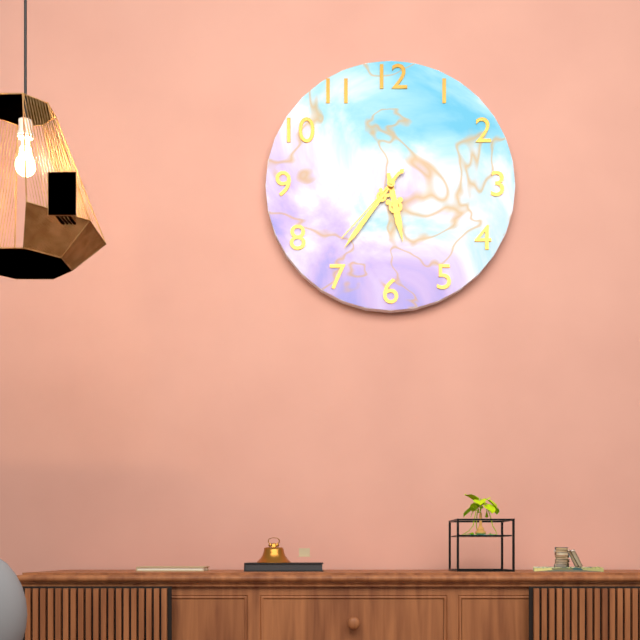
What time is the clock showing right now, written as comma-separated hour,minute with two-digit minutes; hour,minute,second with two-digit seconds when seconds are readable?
5,36,37
